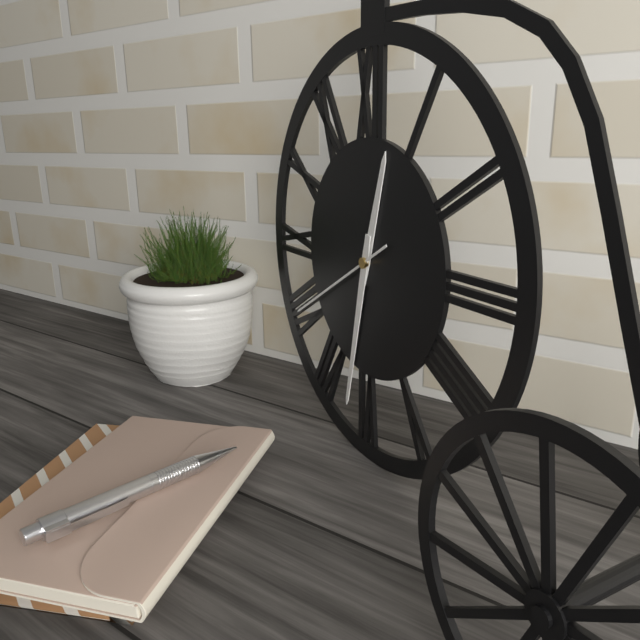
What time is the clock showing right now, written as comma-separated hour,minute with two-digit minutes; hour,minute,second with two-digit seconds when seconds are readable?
12,32,40
